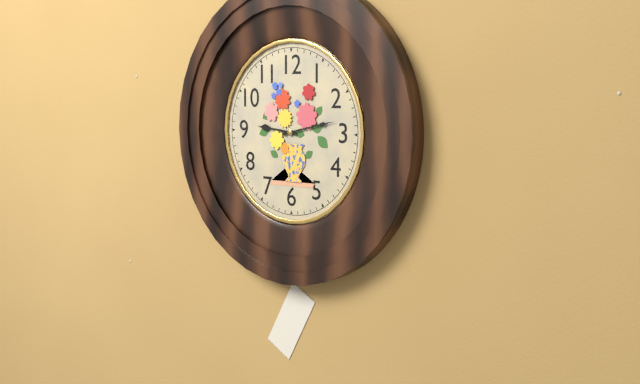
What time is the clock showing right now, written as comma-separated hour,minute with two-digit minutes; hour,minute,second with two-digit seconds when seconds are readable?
9,13
